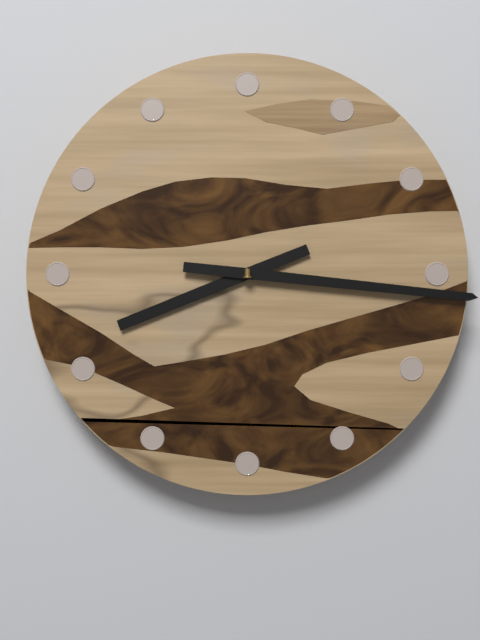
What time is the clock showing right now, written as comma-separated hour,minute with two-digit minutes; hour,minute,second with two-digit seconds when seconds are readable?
8,16
